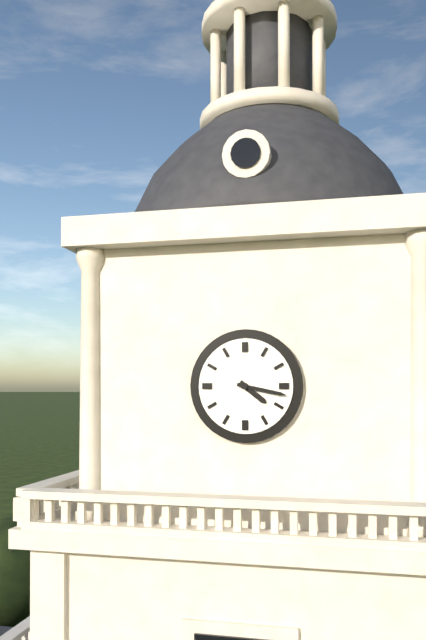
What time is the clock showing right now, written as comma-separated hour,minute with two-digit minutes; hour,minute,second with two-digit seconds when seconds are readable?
4,17
